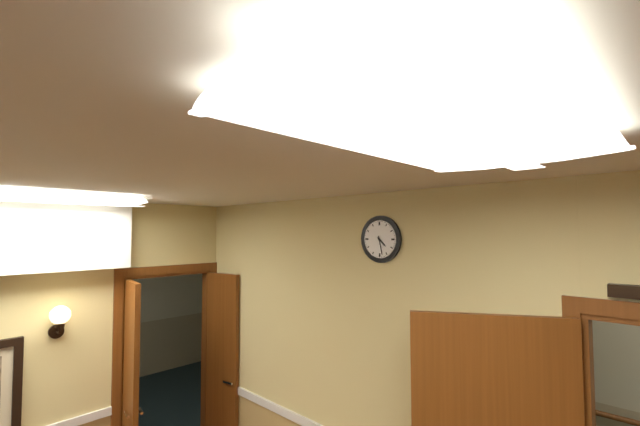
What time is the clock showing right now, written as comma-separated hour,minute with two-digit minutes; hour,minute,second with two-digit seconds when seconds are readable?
4,28
